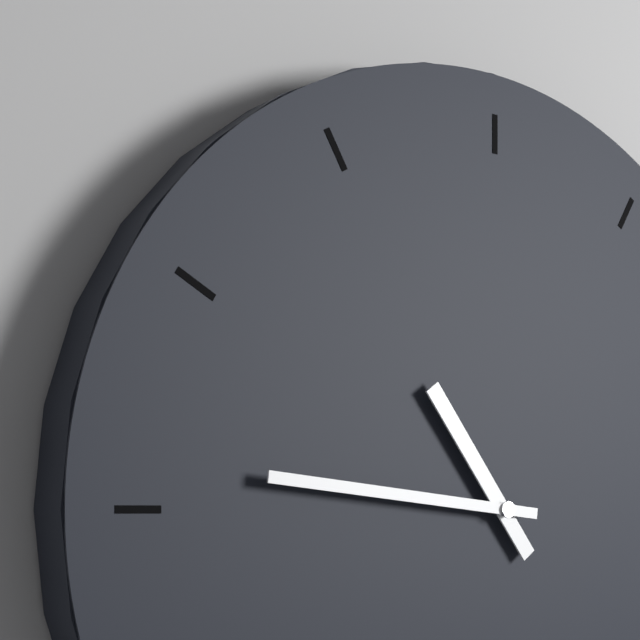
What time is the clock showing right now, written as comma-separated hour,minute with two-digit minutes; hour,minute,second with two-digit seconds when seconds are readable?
10,46
